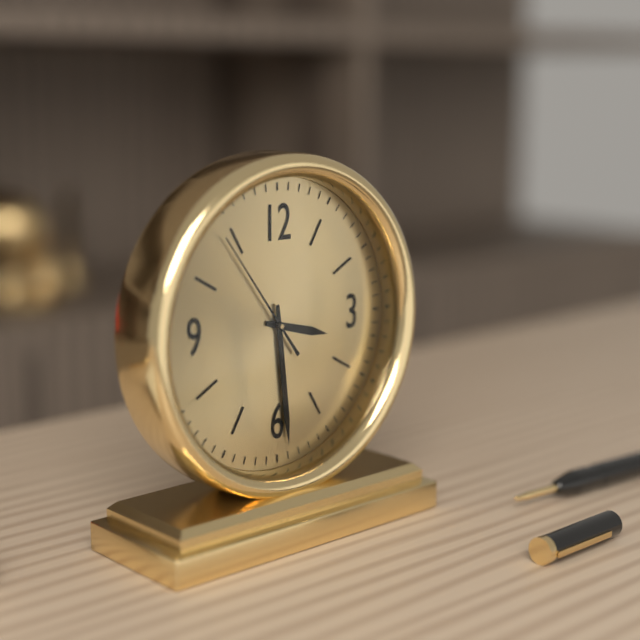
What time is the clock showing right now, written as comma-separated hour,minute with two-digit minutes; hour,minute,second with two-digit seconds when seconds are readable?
3,29,54
